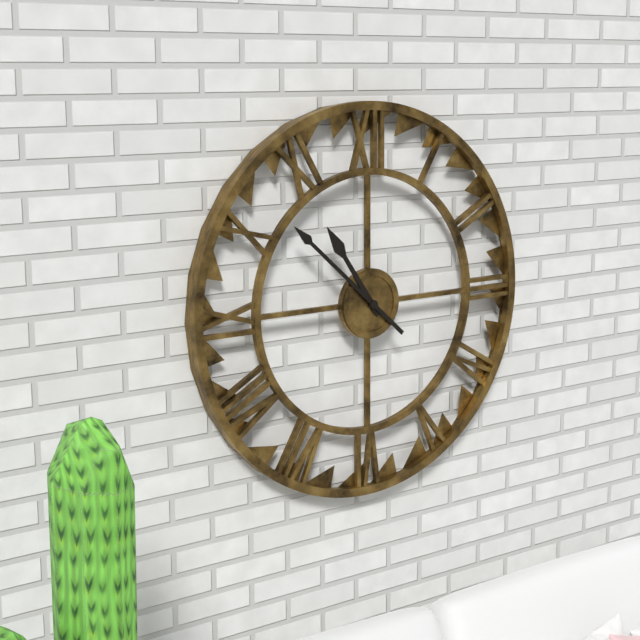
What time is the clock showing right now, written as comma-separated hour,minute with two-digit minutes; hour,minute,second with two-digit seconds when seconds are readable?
10,52
